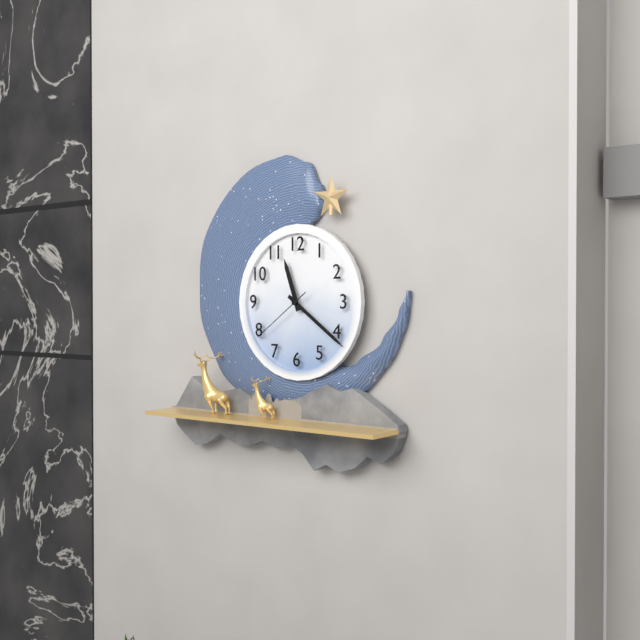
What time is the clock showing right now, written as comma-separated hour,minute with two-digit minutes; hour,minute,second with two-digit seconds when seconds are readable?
11,21,39
